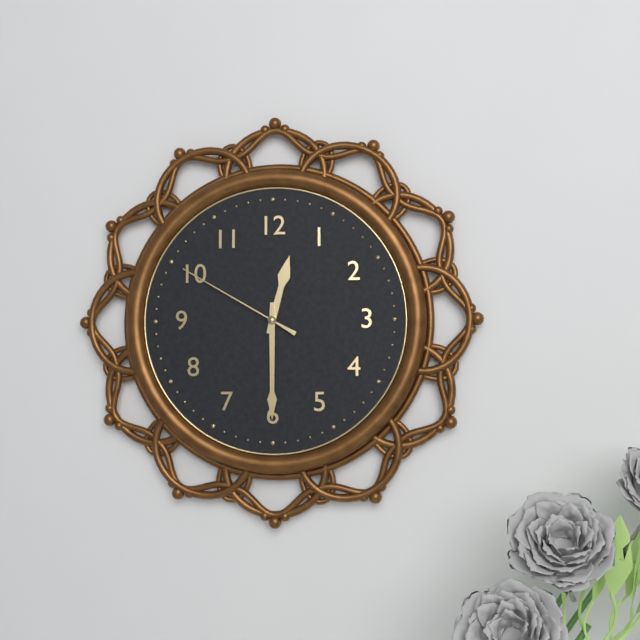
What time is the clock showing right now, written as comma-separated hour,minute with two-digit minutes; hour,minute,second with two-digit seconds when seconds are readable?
12,30,50
